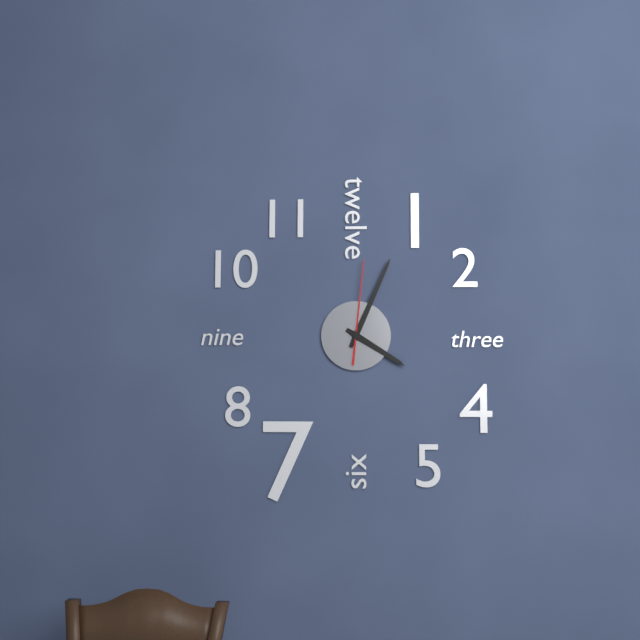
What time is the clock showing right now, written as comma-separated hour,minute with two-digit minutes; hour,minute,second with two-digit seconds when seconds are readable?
4,04,01
